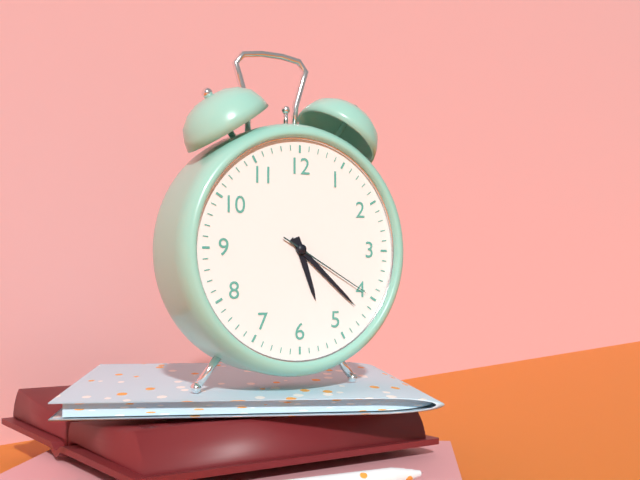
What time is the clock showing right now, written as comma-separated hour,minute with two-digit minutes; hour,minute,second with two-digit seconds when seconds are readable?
5,22,20
